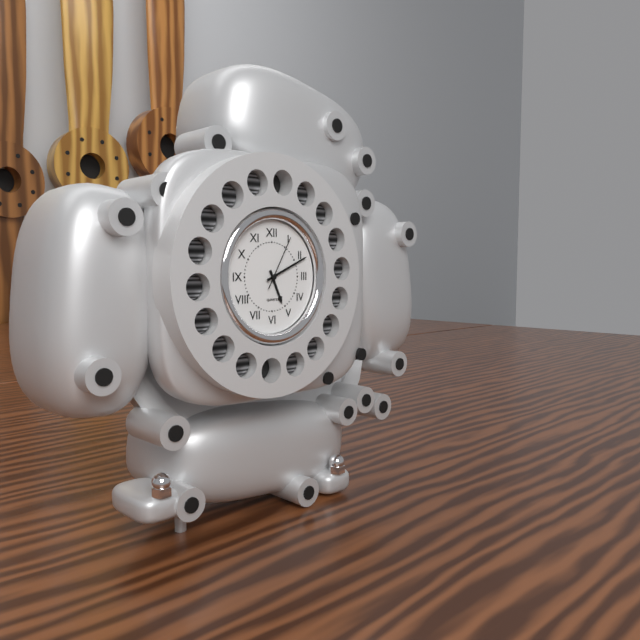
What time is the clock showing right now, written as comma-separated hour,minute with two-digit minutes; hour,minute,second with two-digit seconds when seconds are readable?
5,11,05
